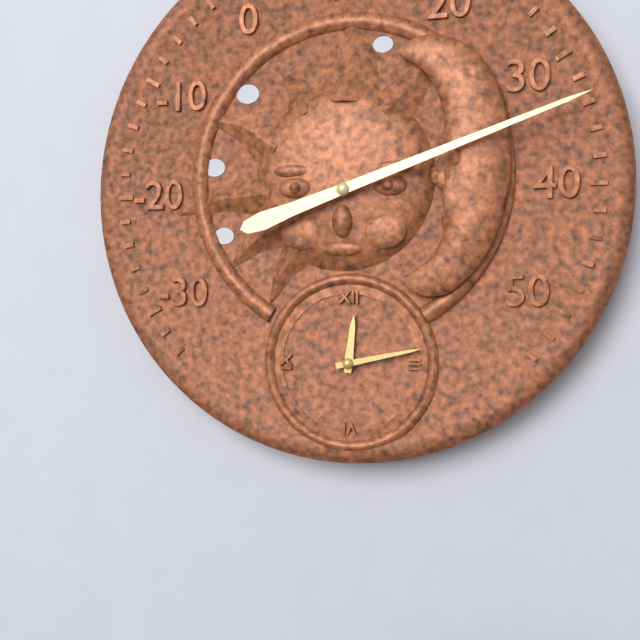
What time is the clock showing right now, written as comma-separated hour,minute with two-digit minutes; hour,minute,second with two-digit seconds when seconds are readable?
12,13
